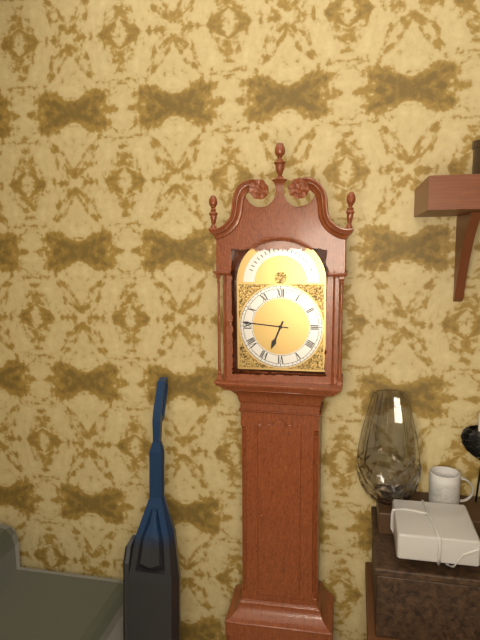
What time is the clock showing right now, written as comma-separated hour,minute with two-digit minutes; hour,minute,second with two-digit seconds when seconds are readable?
6,46
